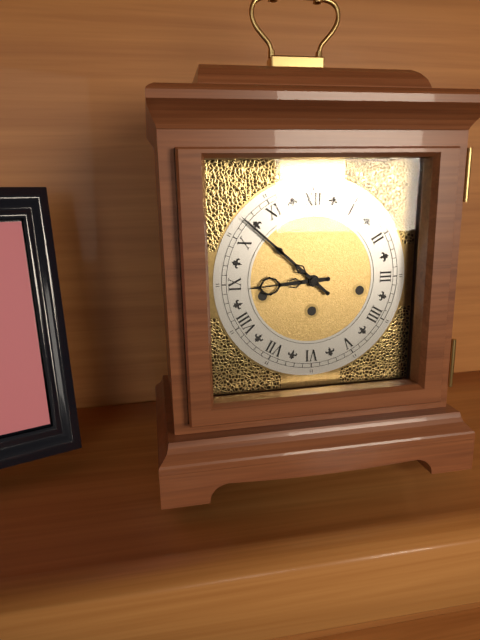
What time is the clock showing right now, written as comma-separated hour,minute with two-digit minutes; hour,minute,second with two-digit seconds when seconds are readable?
8,52
